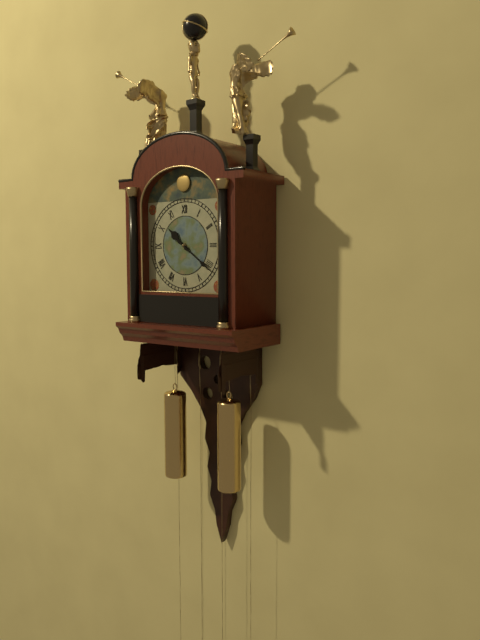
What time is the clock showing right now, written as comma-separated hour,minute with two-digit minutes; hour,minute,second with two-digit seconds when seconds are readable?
10,21
